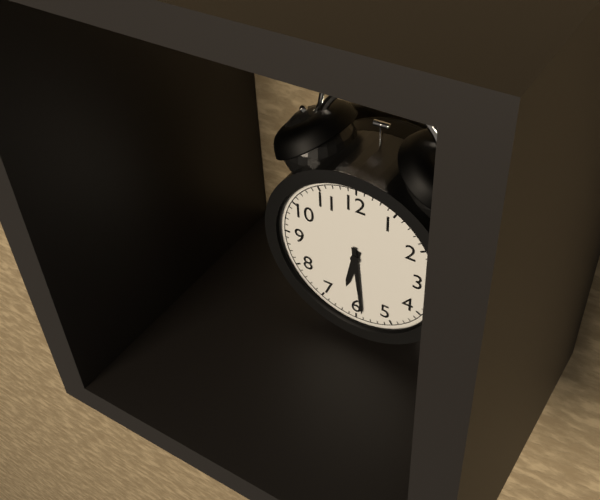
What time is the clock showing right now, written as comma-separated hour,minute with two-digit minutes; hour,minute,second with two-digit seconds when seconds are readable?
6,29
